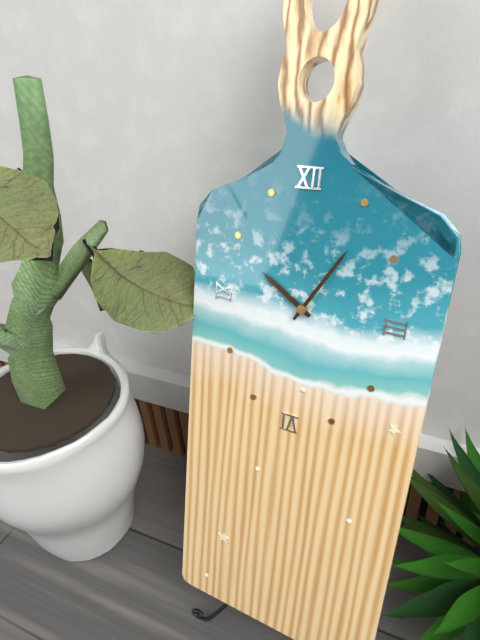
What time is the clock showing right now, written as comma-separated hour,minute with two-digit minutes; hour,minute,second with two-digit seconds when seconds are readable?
10,05
